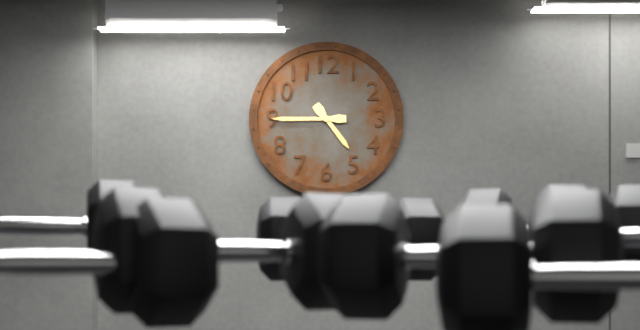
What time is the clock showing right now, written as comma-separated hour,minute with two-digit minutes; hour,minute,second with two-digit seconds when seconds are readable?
4,45
